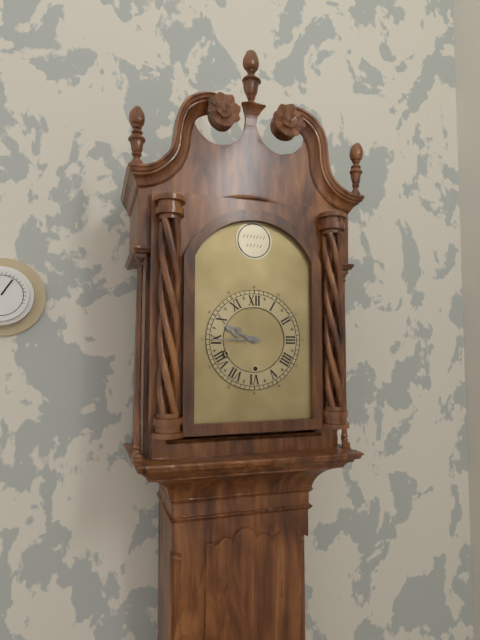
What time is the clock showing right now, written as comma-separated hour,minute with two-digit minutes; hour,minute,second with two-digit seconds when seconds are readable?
9,45
